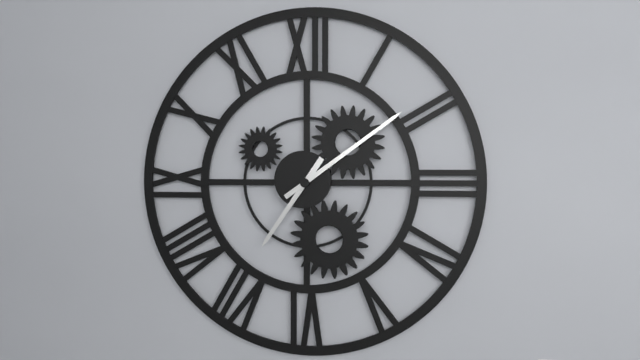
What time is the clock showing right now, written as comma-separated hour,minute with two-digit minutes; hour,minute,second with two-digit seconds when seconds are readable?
7,09
